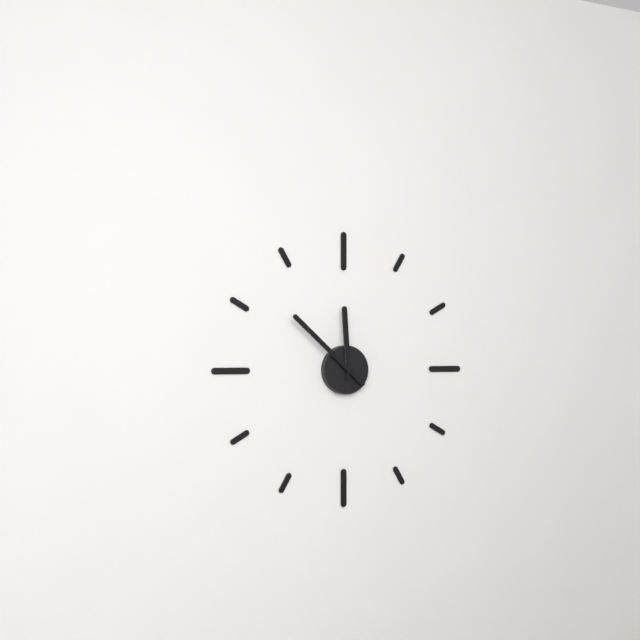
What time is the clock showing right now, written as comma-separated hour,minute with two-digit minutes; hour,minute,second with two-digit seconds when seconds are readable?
11,52
